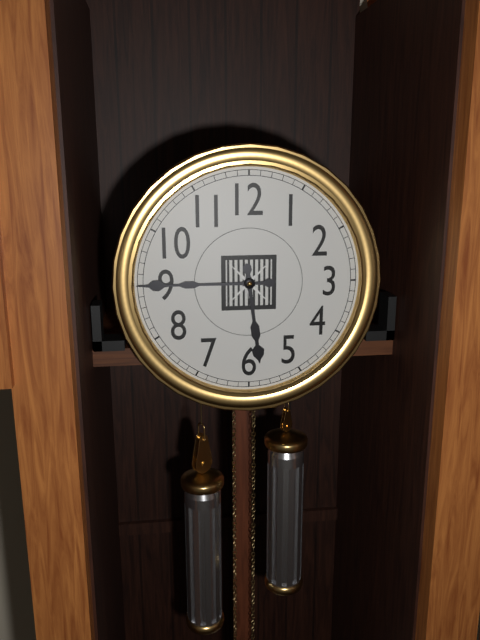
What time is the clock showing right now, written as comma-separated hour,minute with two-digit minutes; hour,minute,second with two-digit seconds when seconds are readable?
5,45
